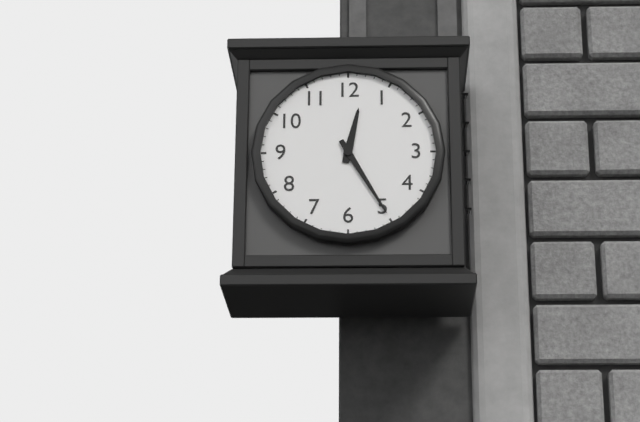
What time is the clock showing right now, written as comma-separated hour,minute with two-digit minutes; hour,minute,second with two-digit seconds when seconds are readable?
12,25
